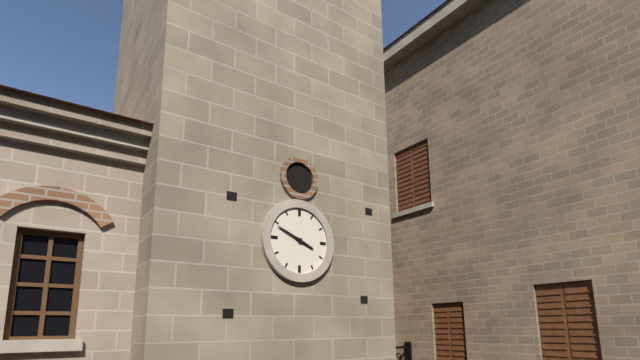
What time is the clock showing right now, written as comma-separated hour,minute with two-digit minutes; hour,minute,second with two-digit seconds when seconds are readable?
3,49
